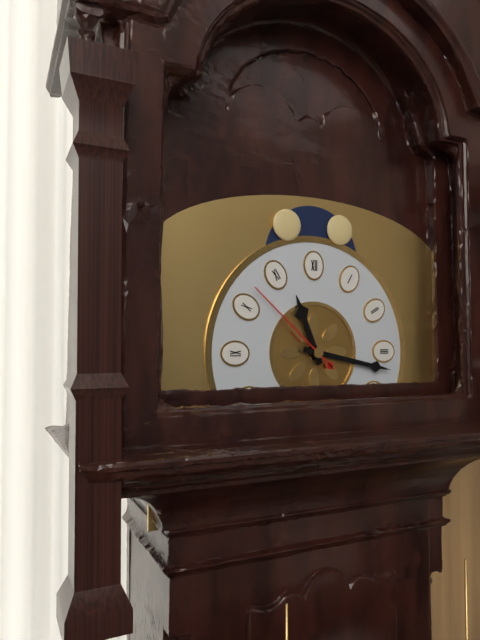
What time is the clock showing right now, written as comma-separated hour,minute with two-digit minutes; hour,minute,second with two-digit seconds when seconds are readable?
11,17,52
